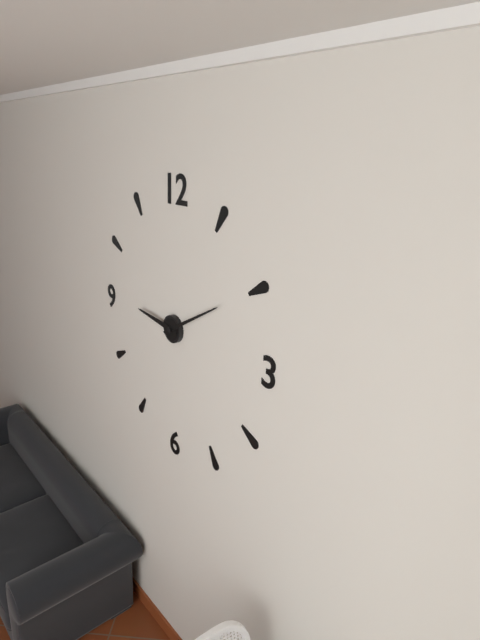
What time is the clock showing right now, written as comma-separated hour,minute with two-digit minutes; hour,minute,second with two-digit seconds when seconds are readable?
9,10
